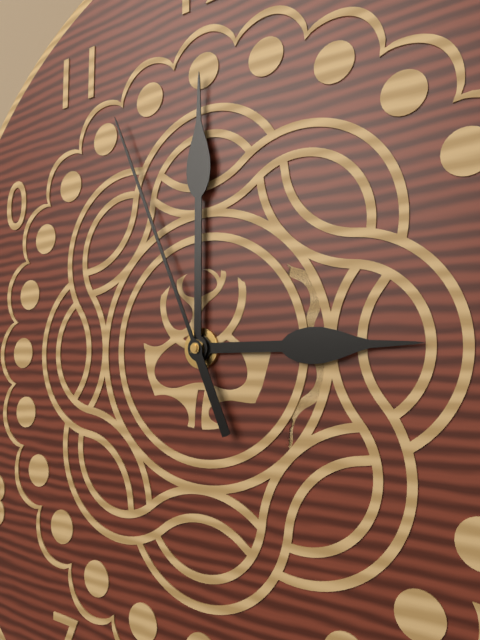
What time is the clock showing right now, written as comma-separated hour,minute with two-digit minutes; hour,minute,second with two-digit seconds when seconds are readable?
3,00,56
